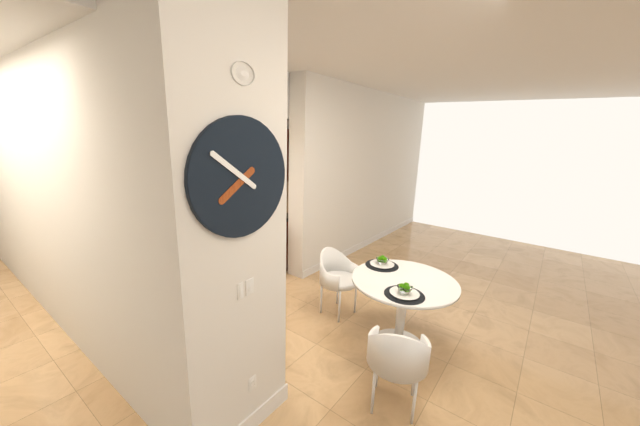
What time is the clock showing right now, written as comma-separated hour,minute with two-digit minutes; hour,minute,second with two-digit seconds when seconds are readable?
7,51
